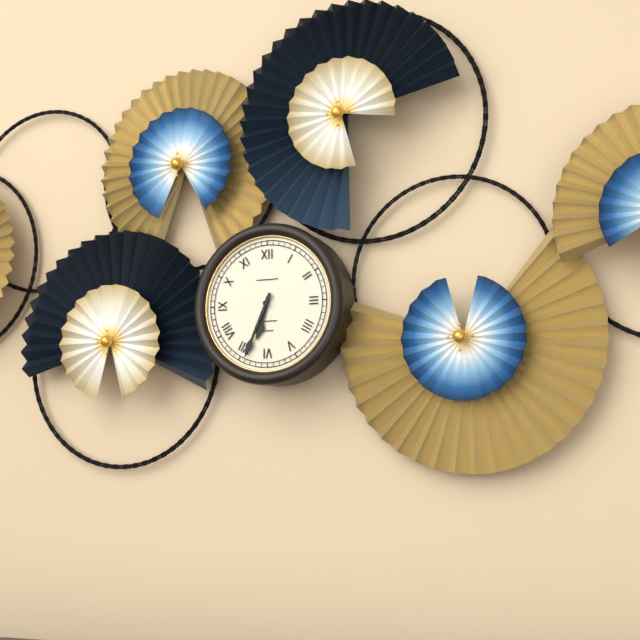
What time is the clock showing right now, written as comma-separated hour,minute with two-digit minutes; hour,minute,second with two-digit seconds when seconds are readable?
6,34
